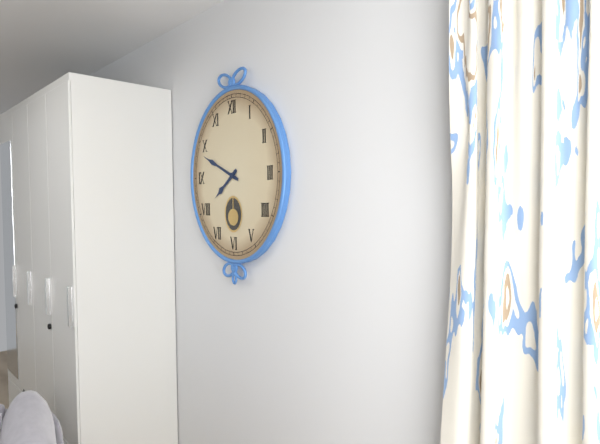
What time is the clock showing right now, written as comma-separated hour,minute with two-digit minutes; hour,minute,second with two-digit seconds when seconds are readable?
7,49
